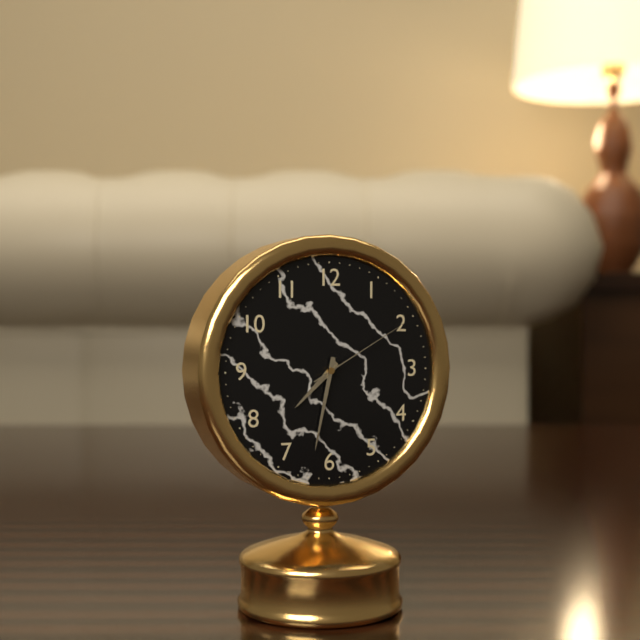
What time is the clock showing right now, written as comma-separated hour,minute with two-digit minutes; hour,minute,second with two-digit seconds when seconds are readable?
7,32,10
